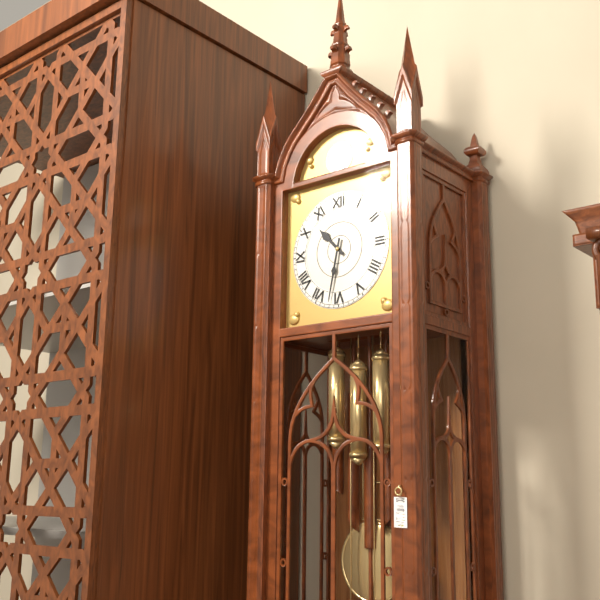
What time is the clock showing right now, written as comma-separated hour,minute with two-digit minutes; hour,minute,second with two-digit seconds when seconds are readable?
10,32
